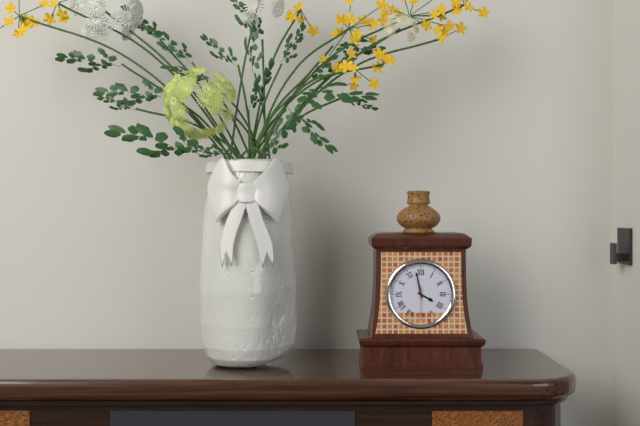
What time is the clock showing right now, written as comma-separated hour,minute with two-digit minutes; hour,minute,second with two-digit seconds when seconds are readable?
3,58
